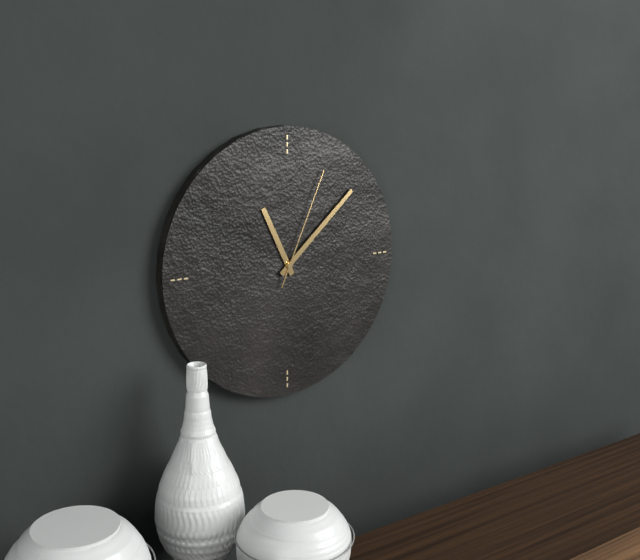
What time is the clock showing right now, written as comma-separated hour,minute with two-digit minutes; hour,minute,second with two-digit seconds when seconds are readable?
11,08,04
